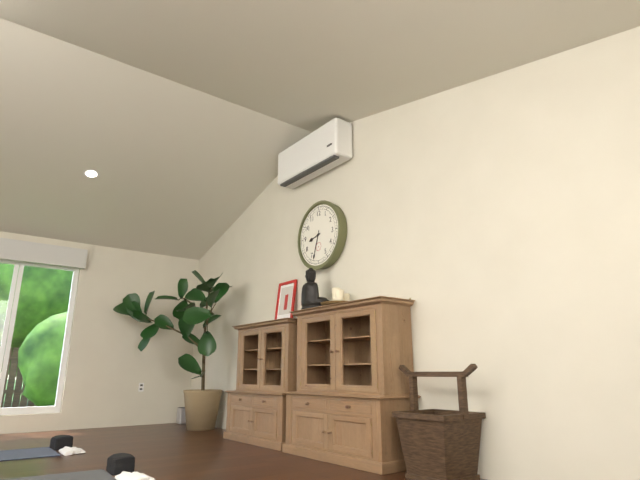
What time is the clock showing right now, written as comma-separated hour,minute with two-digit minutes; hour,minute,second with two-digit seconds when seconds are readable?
8,33
